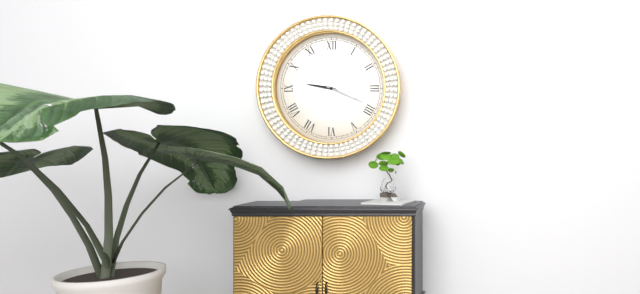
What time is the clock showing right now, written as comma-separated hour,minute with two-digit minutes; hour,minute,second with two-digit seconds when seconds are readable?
9,19
